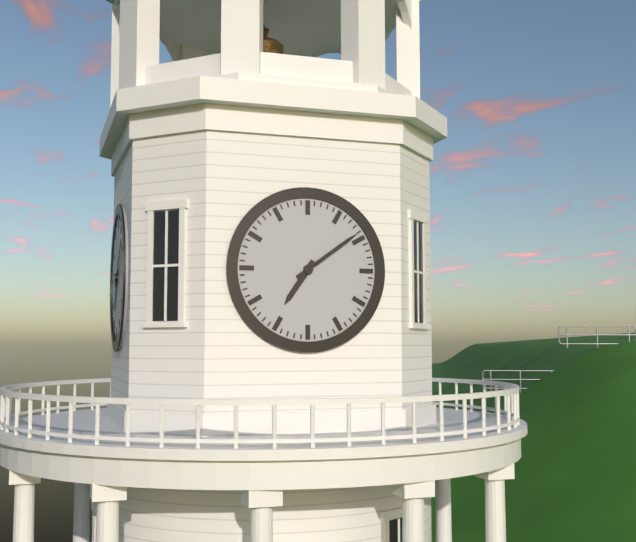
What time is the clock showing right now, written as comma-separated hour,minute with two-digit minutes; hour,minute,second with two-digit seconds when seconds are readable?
7,09
